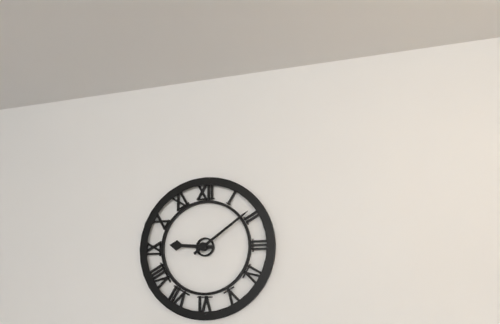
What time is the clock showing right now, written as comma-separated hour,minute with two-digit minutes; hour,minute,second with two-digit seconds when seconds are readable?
9,09
